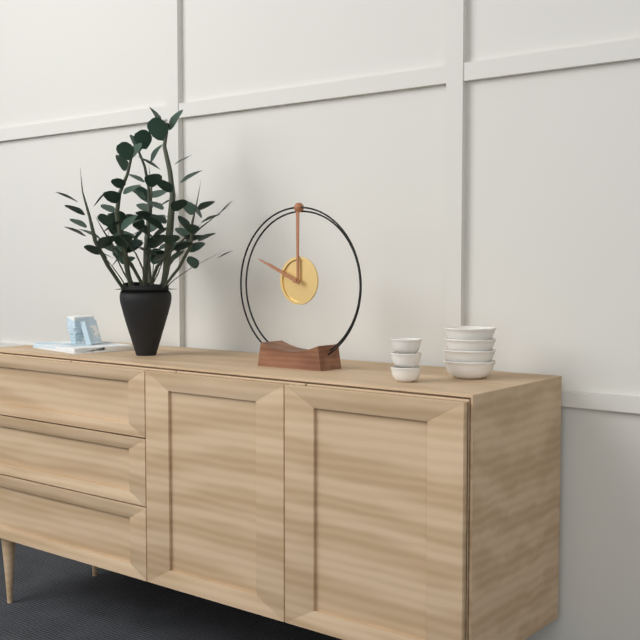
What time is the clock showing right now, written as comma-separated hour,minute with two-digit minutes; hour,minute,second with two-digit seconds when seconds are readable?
9,49
